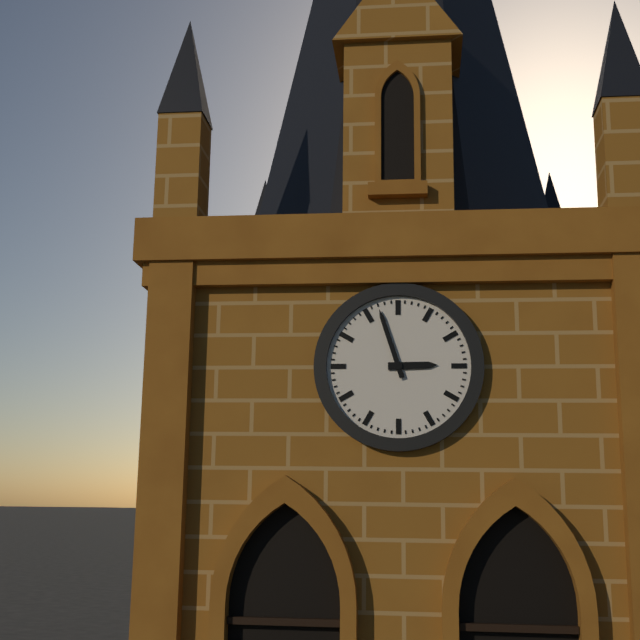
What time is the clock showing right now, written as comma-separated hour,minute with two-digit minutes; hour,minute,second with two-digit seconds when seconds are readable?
2,57
